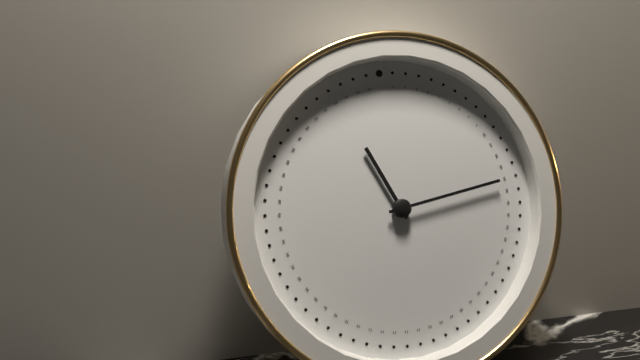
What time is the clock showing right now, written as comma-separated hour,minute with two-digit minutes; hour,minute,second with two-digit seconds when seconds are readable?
11,14
